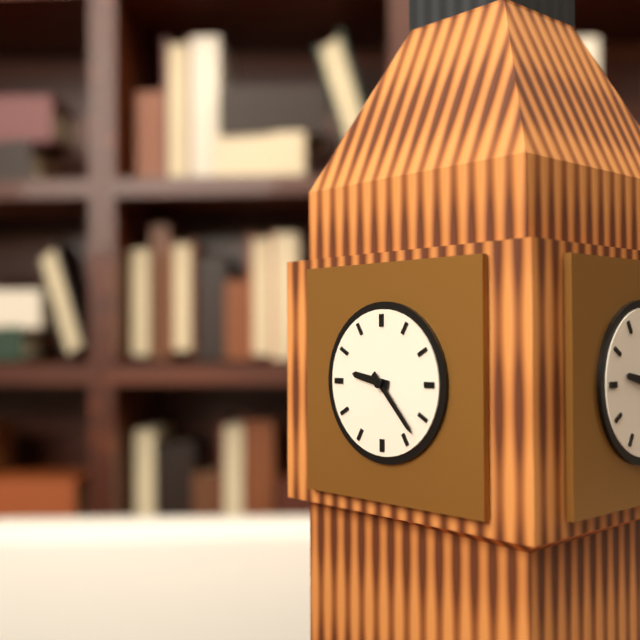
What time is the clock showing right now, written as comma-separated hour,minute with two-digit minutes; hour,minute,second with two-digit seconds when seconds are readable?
9,23
